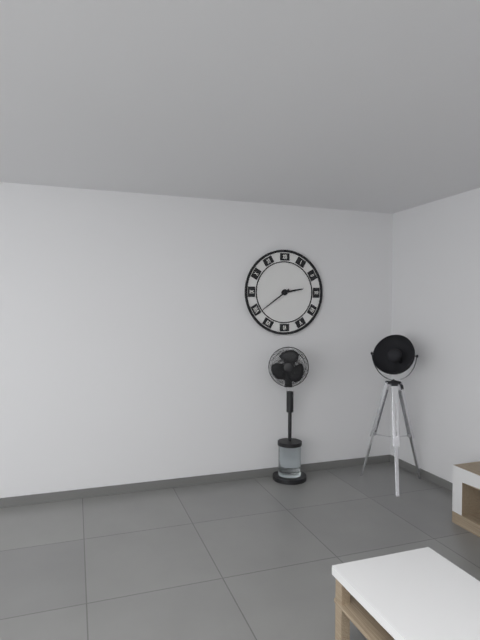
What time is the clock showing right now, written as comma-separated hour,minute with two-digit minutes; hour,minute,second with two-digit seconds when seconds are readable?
2,39
